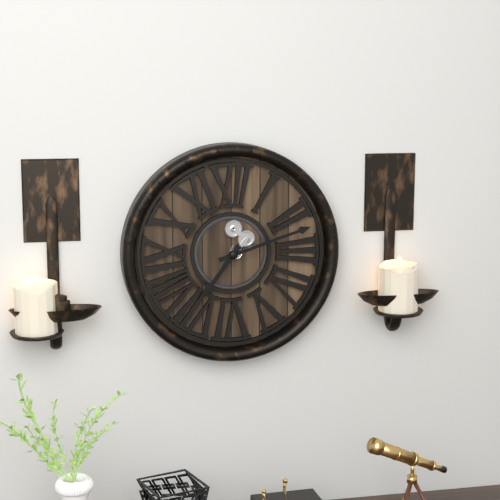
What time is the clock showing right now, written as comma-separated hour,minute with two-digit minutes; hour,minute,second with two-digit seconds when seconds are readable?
7,12
